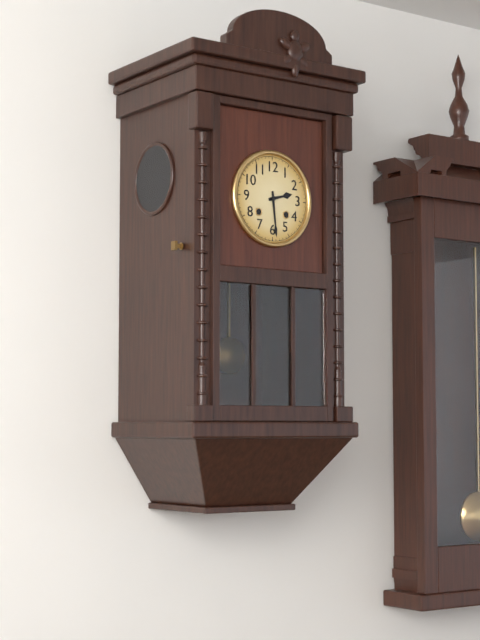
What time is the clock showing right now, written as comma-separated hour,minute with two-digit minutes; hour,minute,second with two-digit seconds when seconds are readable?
2,29
